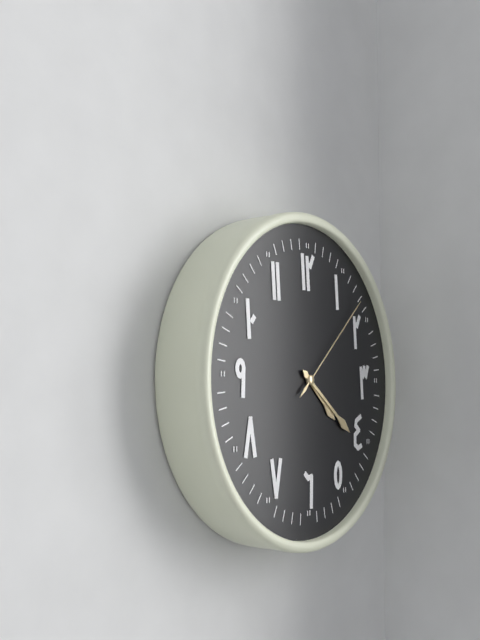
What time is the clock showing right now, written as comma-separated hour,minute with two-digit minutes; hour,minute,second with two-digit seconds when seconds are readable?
4,21,08
